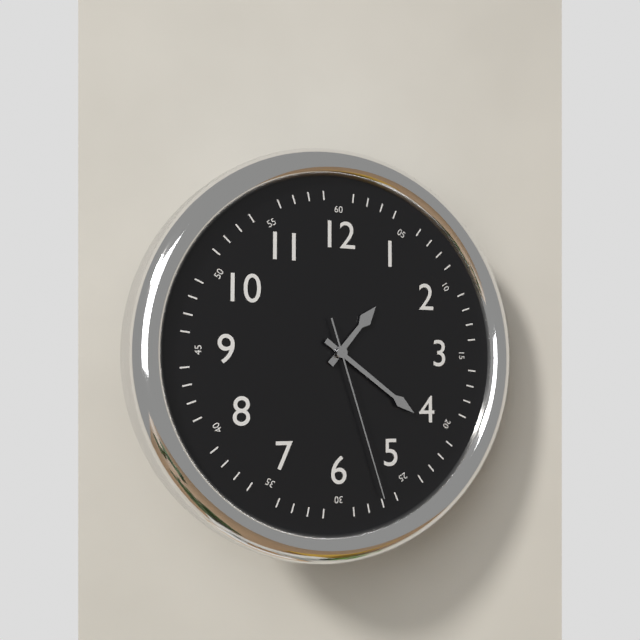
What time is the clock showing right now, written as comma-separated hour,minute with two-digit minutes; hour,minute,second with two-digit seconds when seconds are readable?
1,21,27
